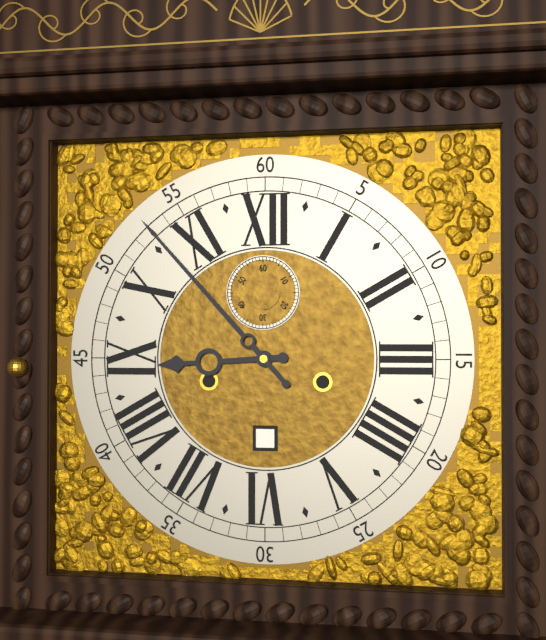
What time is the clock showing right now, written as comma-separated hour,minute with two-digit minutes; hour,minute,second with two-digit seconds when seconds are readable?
8,53
